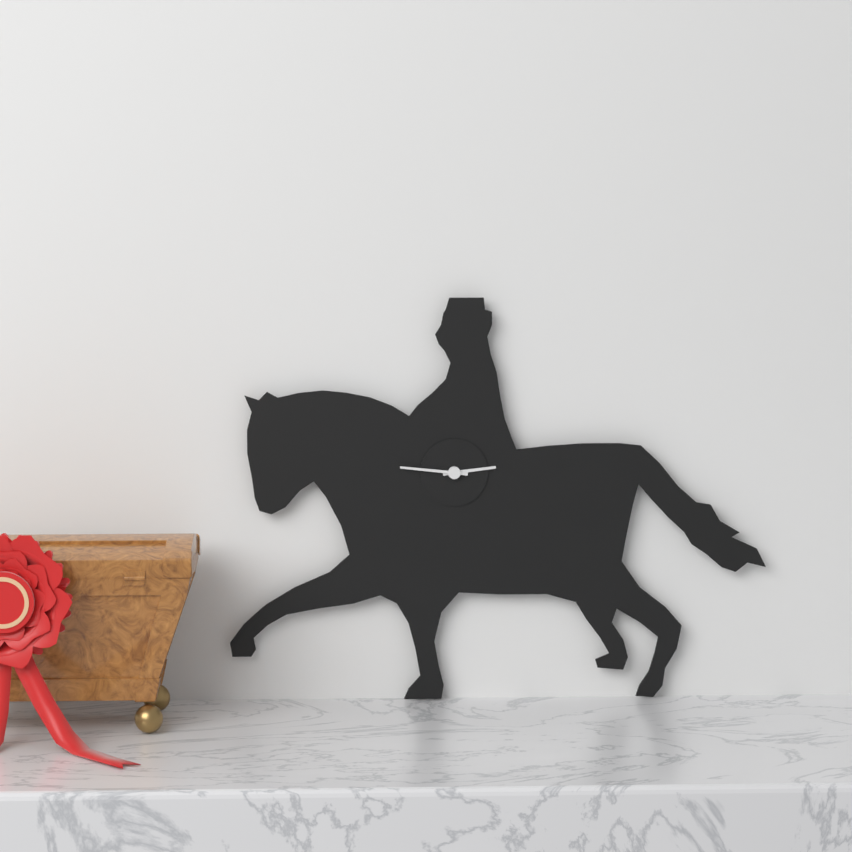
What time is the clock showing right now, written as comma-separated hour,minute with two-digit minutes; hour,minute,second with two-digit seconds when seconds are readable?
2,46
